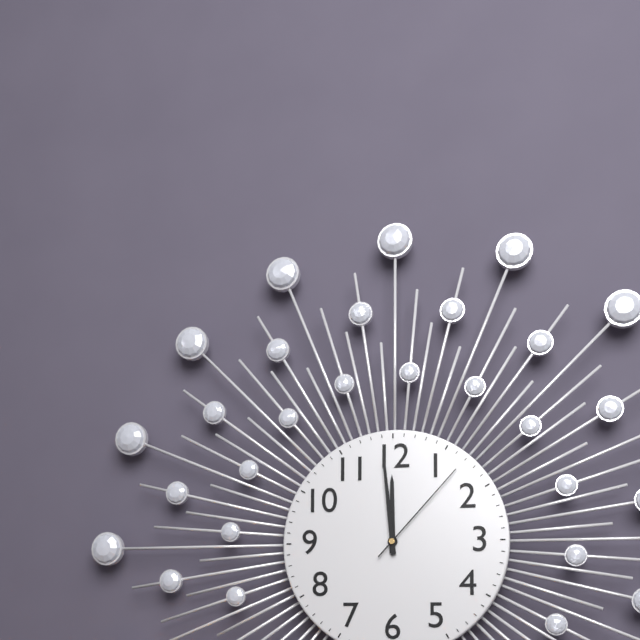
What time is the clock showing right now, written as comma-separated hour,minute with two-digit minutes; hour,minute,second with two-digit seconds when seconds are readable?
11,59,07
